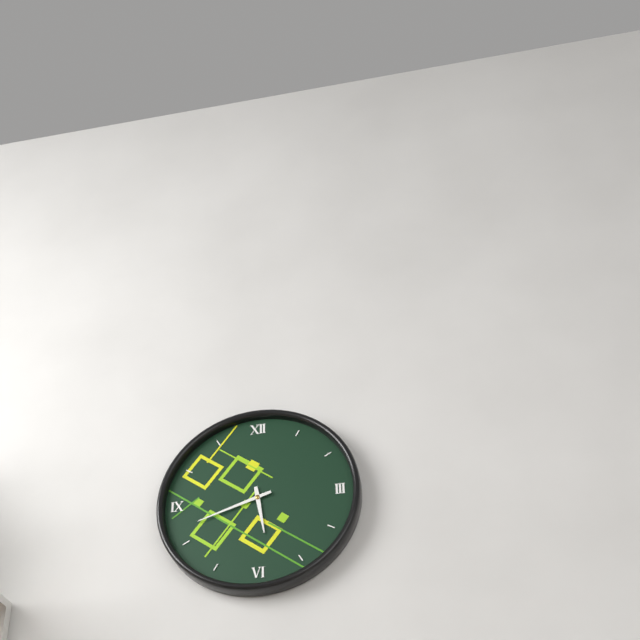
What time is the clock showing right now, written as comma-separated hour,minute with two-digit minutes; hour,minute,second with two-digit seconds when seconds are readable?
5,42
